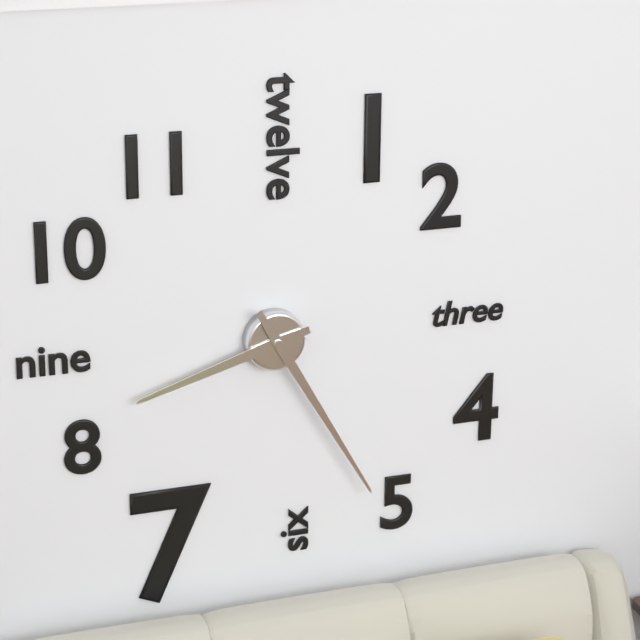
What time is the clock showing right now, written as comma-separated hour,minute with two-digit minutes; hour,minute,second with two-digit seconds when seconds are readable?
8,25
